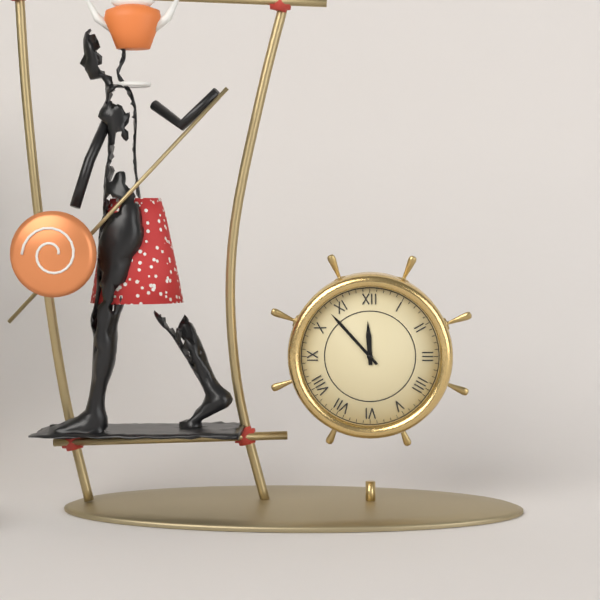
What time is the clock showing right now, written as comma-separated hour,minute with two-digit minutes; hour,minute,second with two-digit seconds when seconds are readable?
11,53
